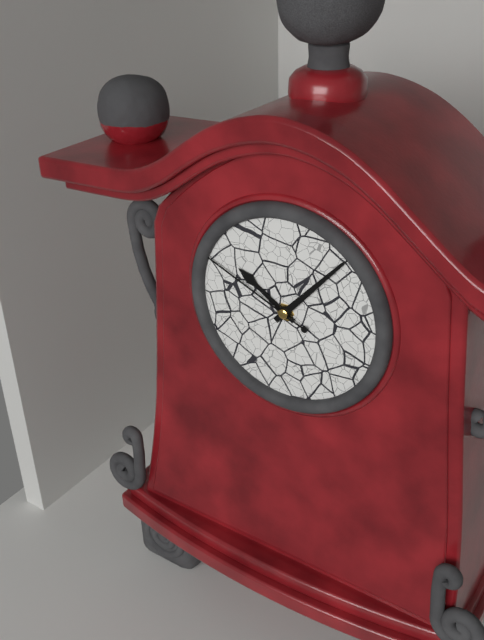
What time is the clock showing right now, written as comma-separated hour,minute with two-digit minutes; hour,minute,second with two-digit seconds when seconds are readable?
10,07,49
